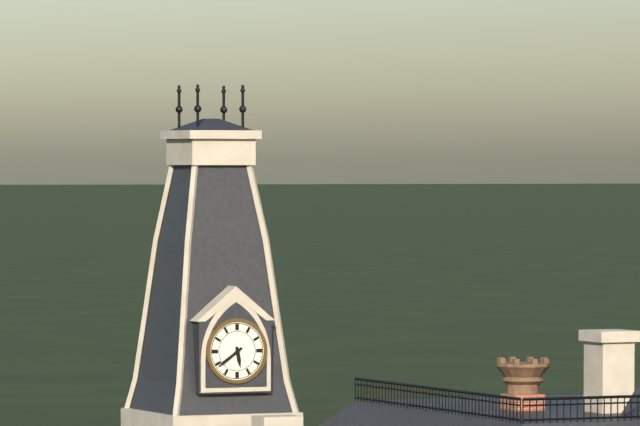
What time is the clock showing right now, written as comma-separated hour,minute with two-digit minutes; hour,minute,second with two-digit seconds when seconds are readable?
5,39
